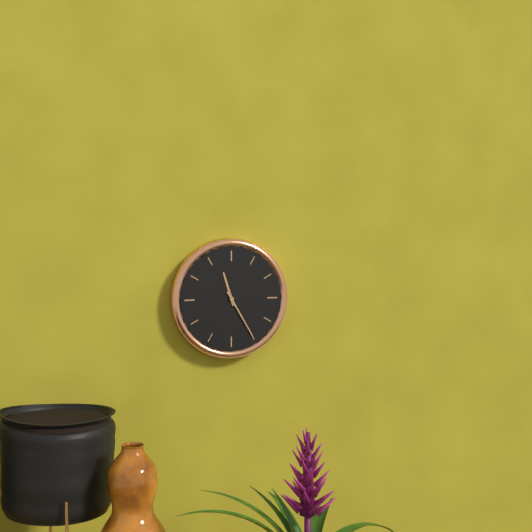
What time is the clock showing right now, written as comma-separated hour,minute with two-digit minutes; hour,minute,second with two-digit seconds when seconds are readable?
11,25
